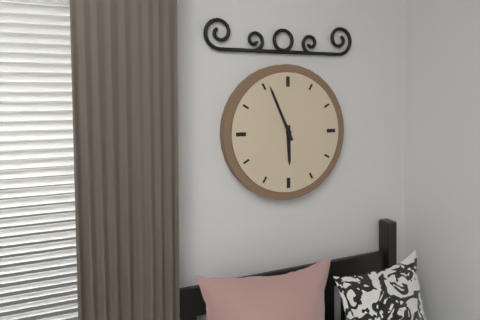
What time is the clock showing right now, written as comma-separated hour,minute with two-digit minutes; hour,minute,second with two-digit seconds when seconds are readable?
5,56
